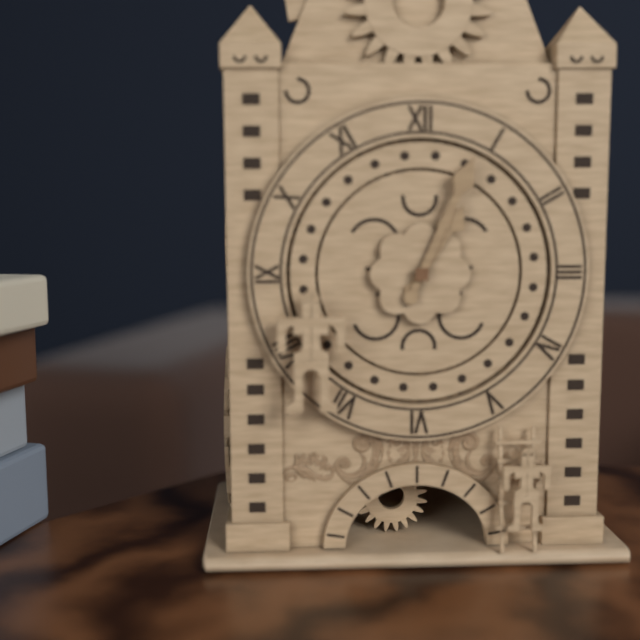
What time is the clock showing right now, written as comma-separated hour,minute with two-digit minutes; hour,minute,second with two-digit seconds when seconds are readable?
1,04
